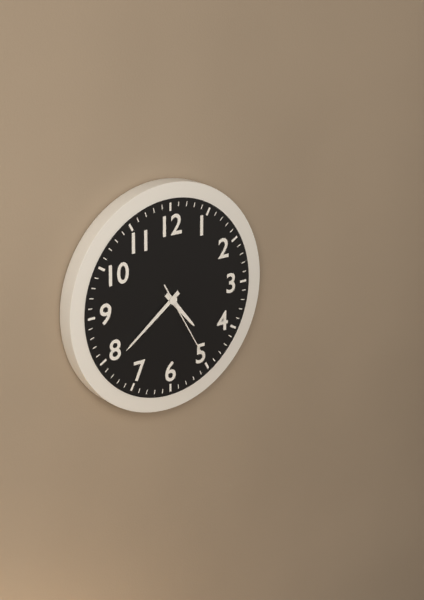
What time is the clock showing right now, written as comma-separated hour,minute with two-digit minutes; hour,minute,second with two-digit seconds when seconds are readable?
4,39,25
